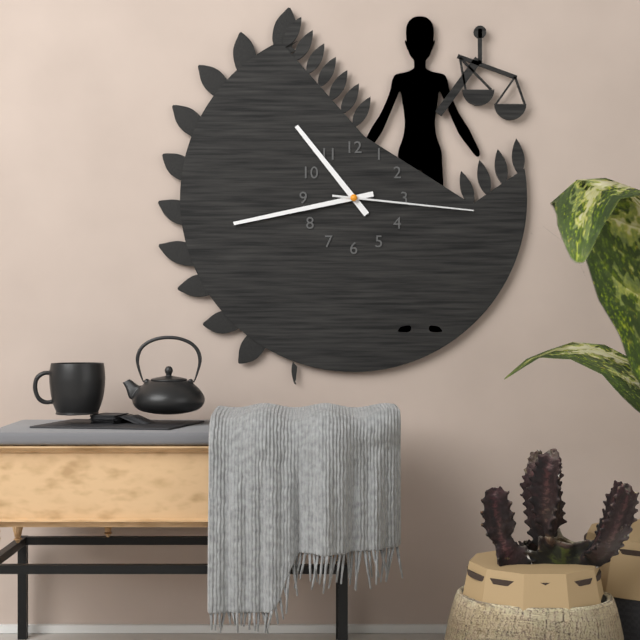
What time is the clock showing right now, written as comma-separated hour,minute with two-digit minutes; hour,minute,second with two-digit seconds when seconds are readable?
10,43,16
